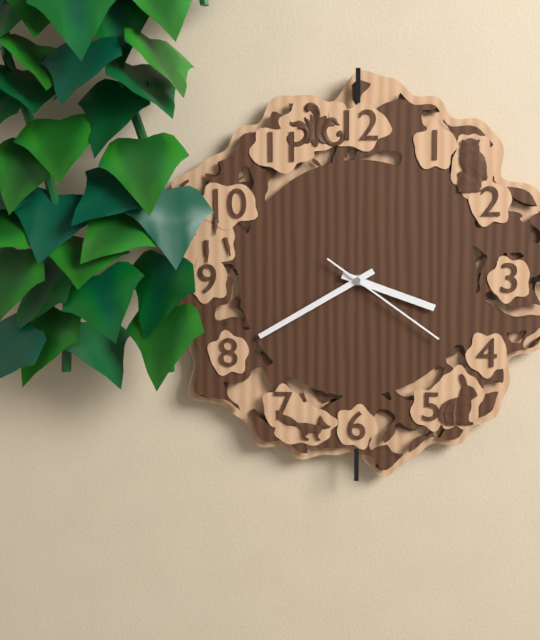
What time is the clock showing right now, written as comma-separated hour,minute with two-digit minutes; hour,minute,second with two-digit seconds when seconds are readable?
3,40,21
